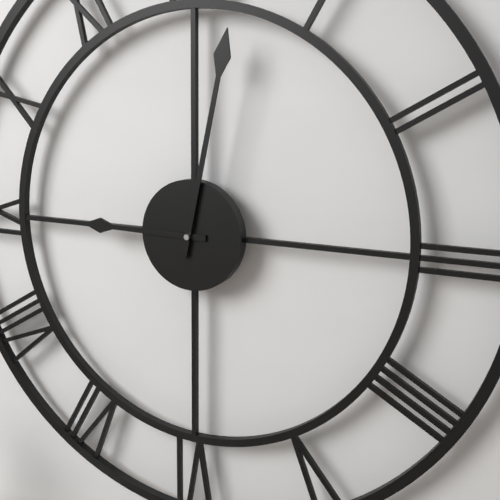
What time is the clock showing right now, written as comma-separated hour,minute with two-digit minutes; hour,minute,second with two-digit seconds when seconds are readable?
9,02
